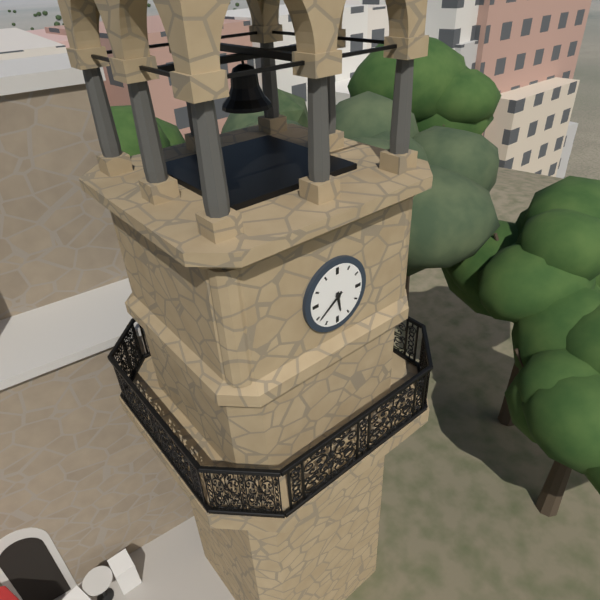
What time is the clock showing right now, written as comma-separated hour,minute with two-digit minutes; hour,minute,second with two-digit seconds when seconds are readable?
5,39
